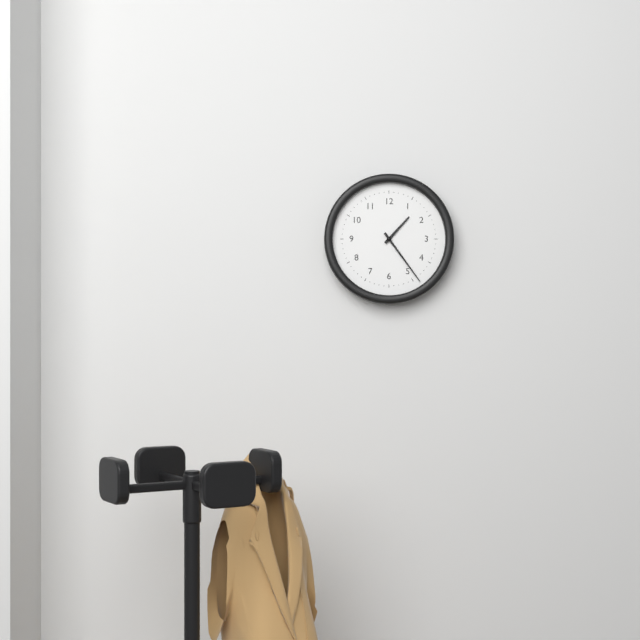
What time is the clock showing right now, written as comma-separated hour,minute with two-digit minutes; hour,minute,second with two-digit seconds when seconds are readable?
1,24
